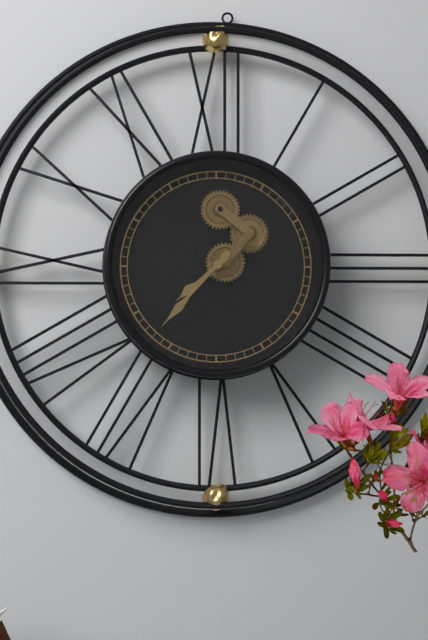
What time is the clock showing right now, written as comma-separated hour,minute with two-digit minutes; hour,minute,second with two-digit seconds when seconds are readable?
7,37
